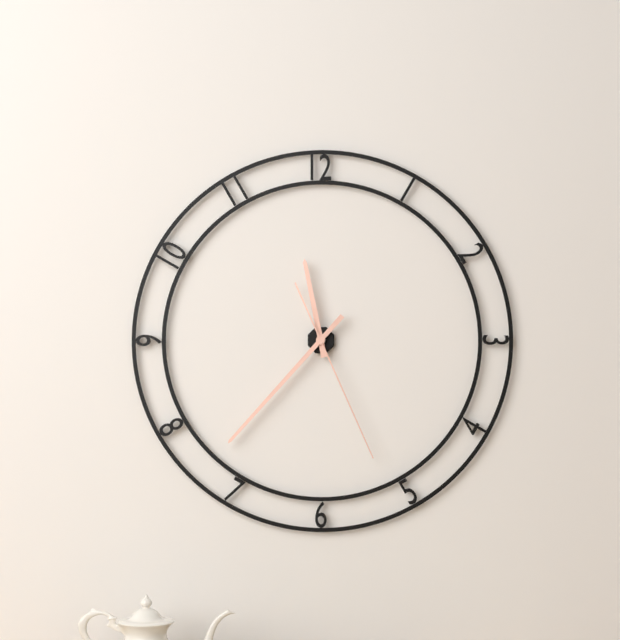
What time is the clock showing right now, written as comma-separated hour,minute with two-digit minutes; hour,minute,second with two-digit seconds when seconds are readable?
11,37,26
